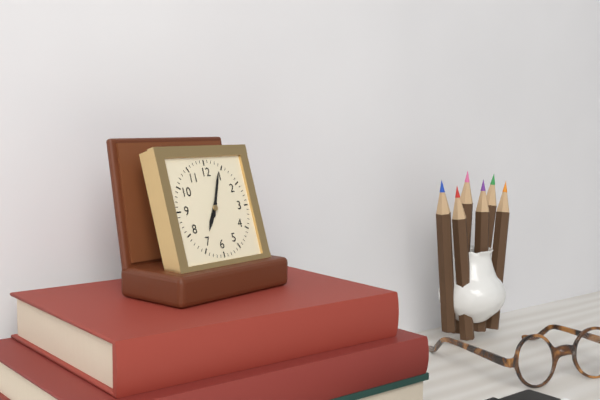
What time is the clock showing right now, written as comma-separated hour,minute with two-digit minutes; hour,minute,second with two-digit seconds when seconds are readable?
7,04
